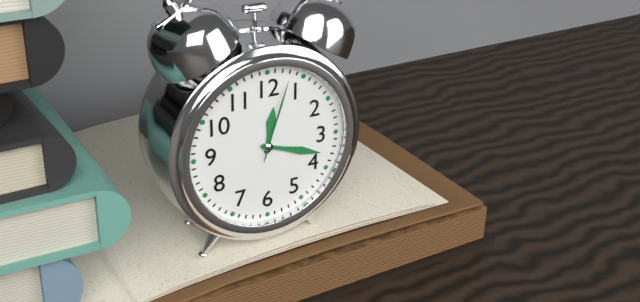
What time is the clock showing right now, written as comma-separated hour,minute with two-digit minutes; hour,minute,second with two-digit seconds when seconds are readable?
12,18,03
